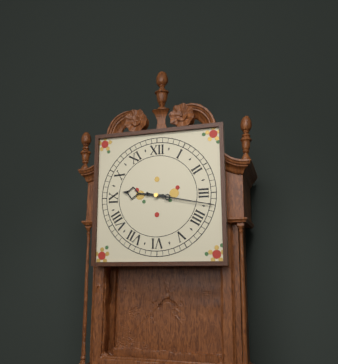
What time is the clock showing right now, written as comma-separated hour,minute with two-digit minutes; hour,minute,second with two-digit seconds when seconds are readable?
9,17
